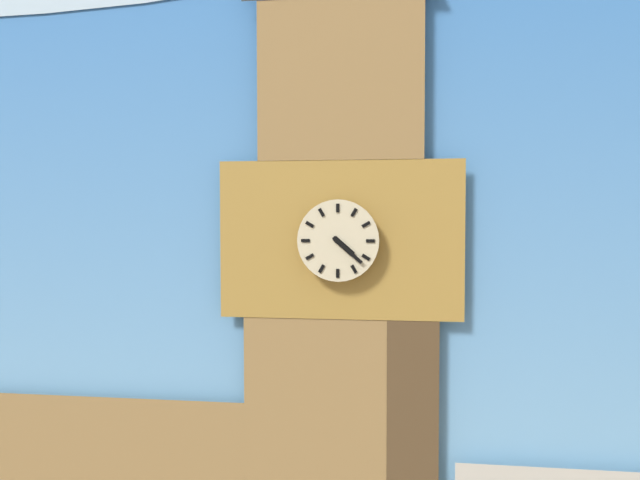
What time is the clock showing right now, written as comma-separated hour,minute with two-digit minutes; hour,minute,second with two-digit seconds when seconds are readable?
4,22
